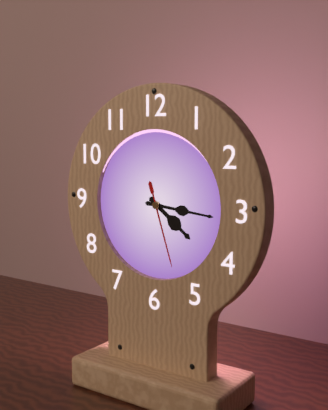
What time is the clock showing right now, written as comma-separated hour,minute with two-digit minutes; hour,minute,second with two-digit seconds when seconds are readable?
4,16,27
